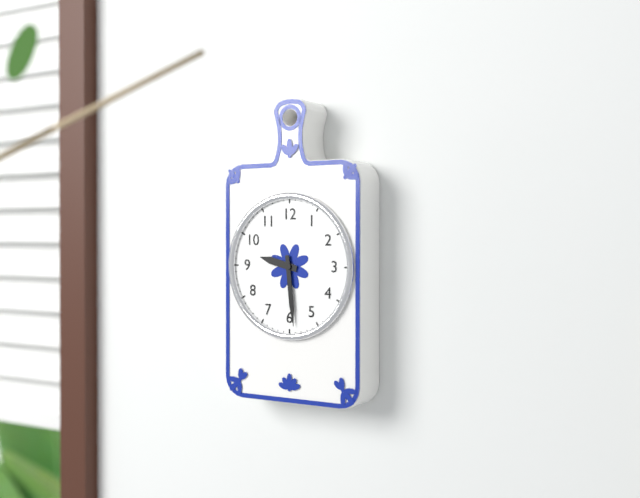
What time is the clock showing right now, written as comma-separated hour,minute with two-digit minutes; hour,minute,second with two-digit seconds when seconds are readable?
9,29
